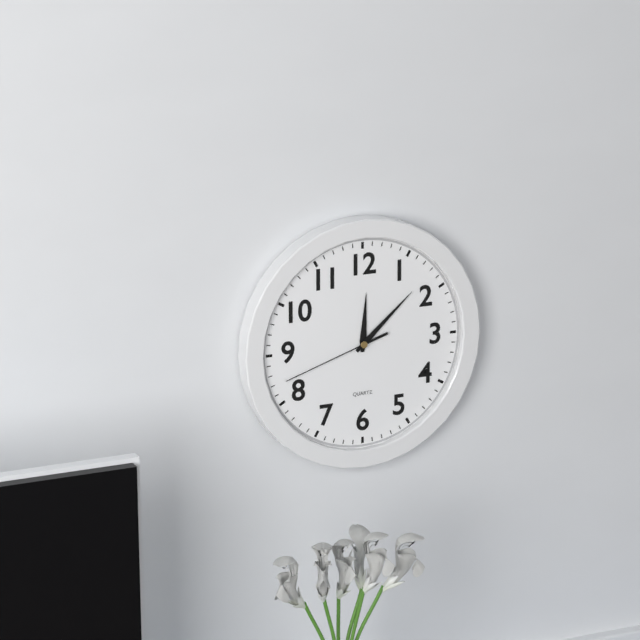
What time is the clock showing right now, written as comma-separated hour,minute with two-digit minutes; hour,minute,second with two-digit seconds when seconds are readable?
12,08,42
